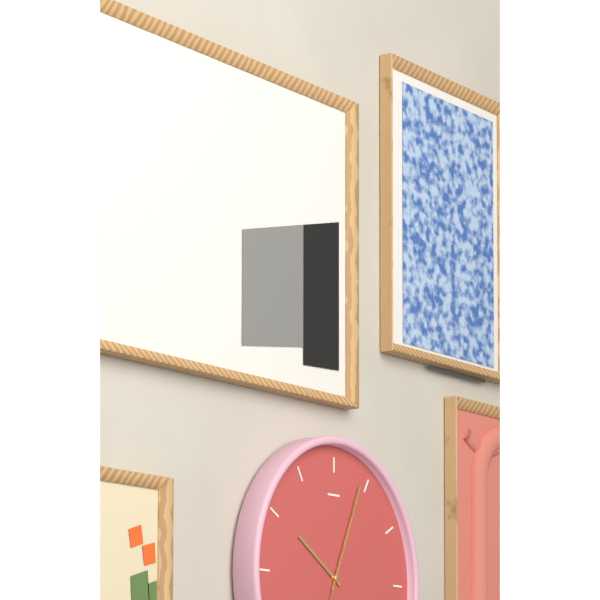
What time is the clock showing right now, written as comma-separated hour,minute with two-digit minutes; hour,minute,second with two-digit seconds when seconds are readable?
10,04,04
